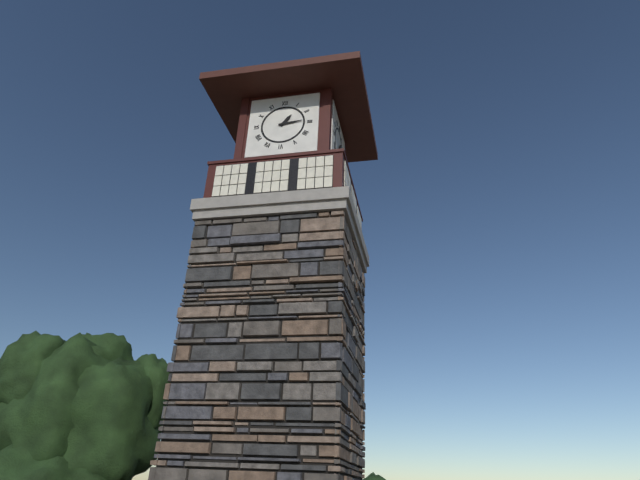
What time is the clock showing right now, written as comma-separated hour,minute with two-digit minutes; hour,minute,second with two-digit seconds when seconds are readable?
1,14
